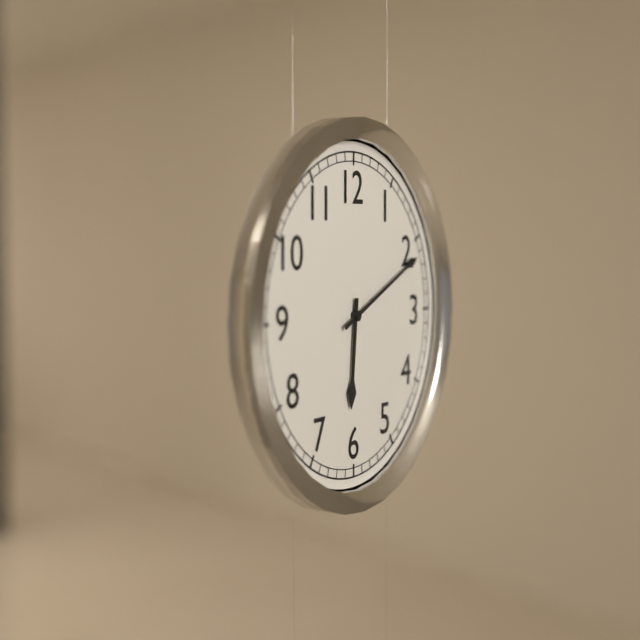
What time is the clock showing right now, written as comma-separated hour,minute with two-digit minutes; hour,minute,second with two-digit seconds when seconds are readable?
6,11
